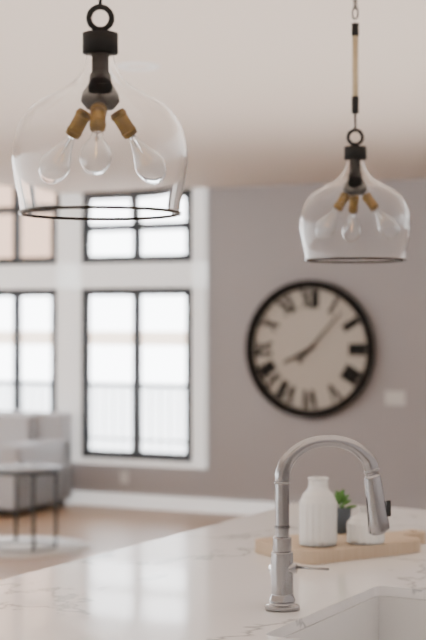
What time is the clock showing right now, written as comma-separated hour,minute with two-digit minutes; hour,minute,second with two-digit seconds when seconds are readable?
8,07
